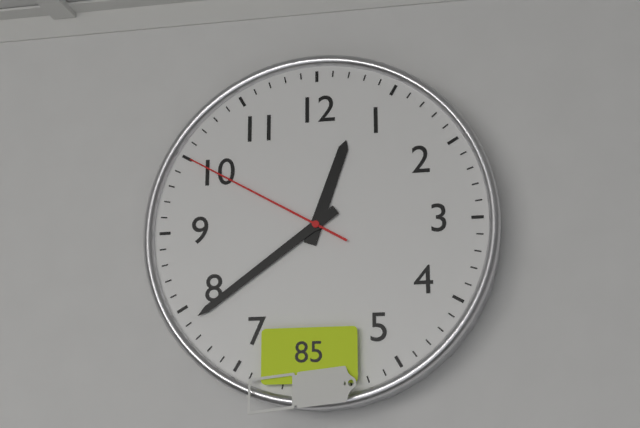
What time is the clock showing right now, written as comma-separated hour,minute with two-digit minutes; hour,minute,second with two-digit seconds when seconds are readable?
12,39,50
